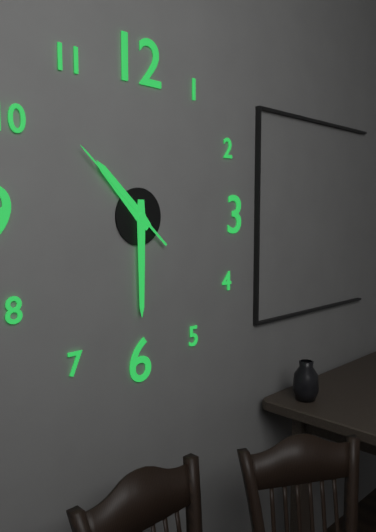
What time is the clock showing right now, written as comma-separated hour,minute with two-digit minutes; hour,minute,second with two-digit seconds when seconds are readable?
10,30,52
